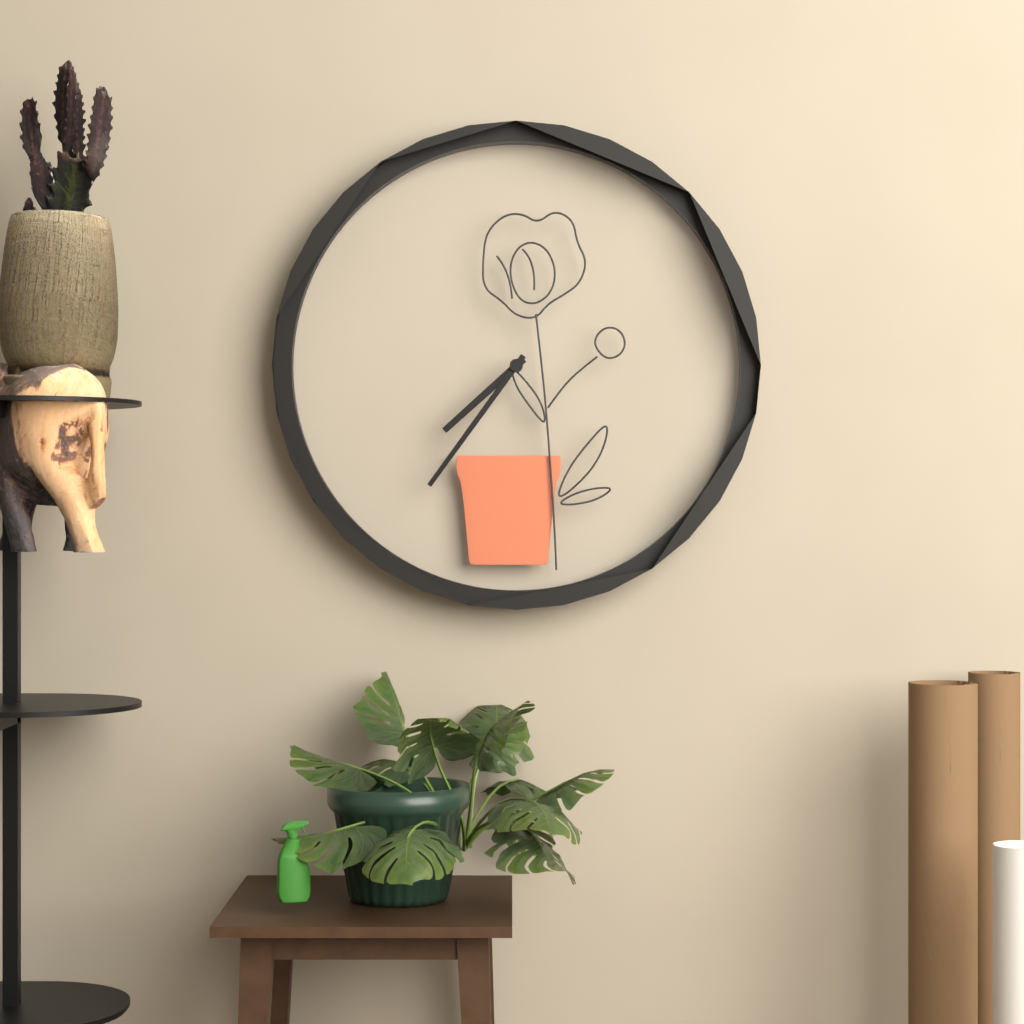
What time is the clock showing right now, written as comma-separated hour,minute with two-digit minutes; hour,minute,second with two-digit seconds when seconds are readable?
7,36
